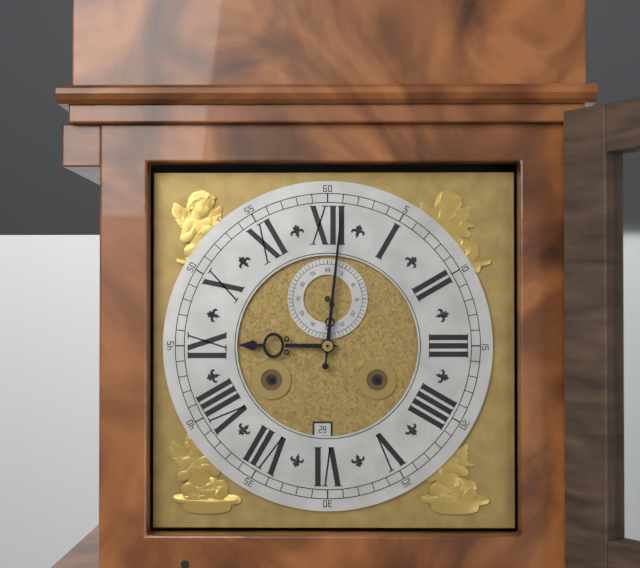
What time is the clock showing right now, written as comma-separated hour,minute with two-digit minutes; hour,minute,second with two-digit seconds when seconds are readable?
9,01
